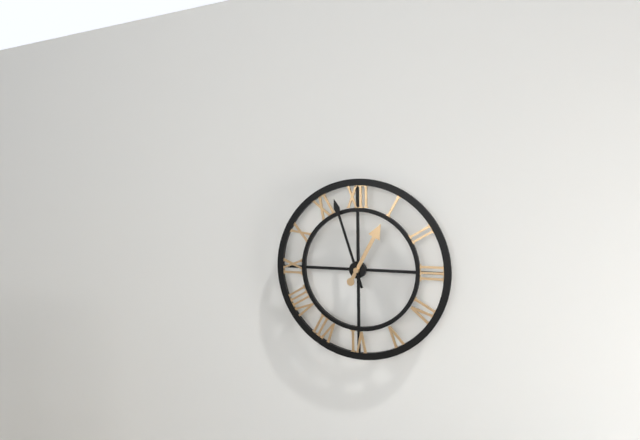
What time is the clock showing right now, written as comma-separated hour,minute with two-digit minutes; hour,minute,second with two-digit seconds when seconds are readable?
12,57
